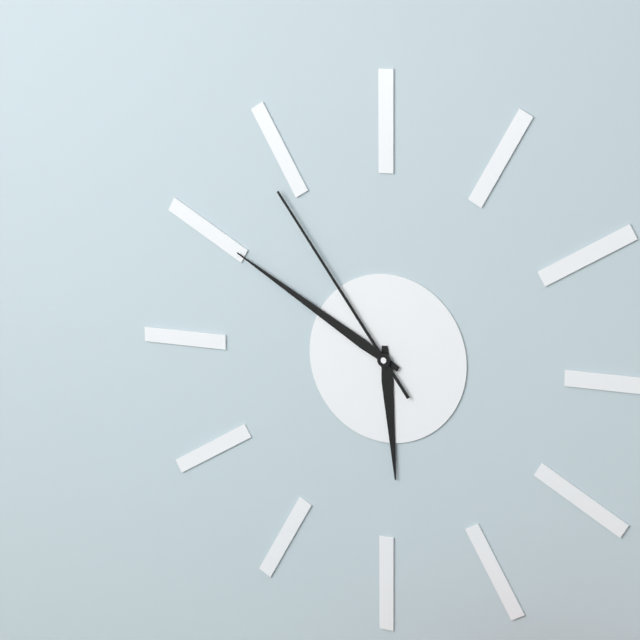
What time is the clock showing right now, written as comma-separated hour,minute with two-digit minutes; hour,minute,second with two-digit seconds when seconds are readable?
5,50,54
